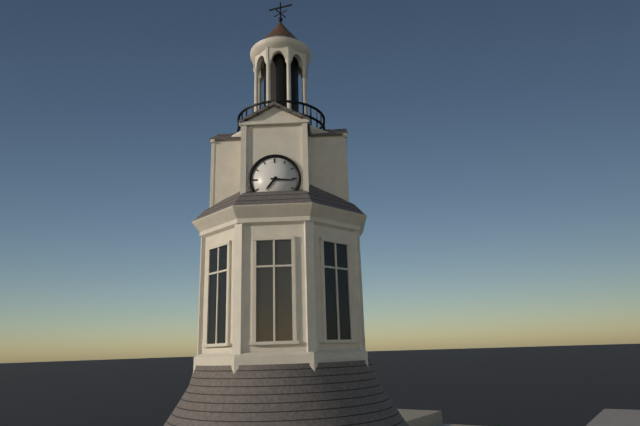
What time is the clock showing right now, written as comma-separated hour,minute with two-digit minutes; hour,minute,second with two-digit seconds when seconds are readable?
7,16
